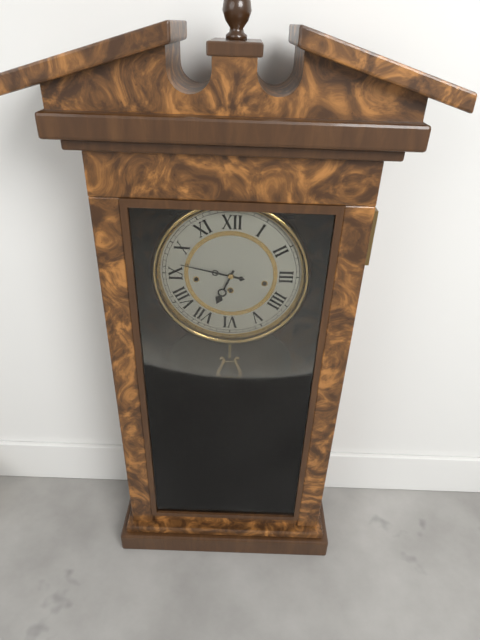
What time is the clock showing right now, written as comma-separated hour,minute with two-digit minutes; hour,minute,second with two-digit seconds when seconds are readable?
6,47
